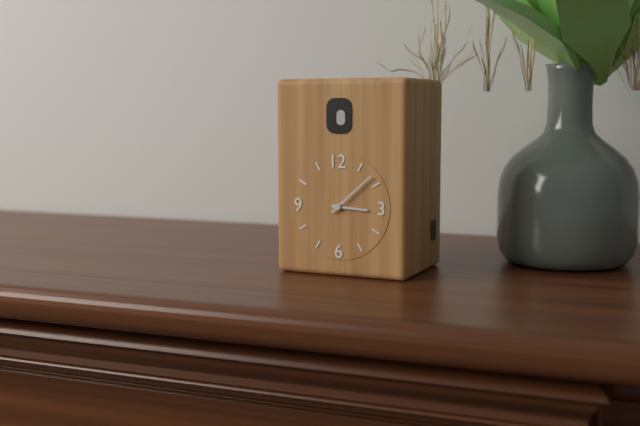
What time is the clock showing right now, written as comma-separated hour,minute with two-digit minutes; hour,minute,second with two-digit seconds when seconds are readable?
3,08
